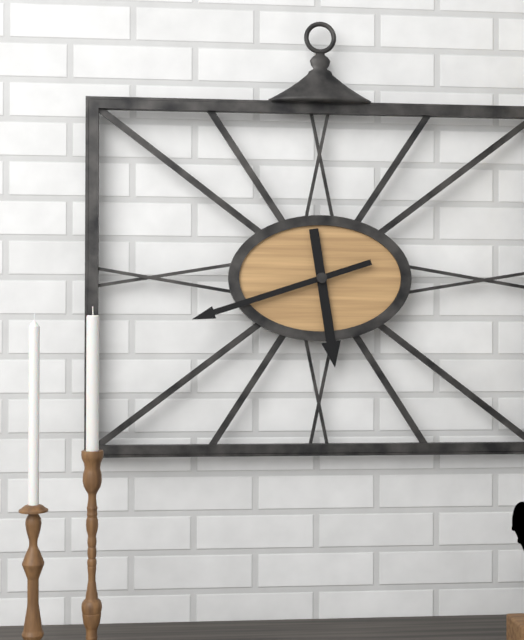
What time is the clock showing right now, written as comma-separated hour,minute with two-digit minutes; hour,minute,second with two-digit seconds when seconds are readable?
5,42
